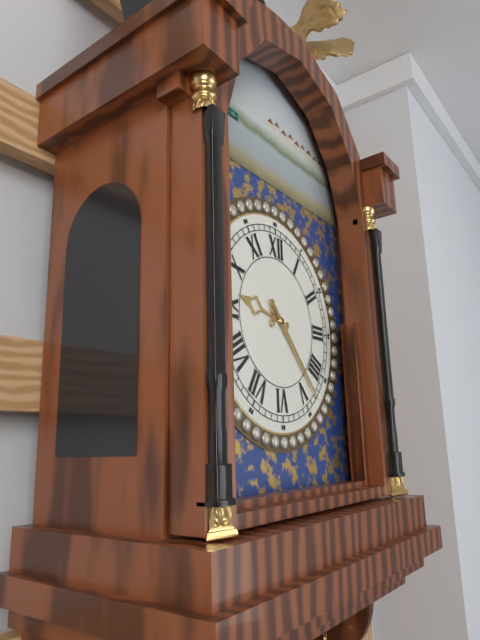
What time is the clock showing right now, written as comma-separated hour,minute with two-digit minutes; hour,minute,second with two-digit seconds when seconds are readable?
9,23
